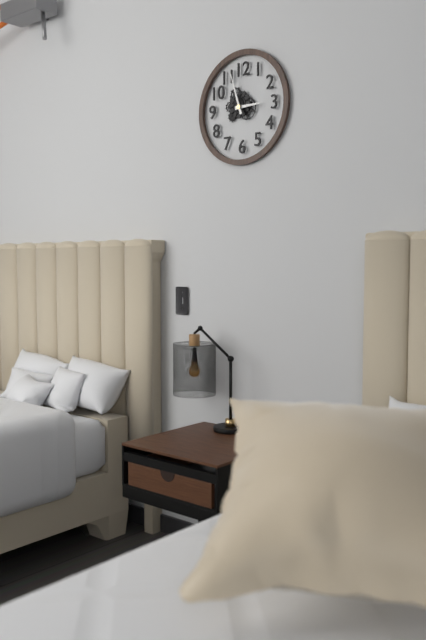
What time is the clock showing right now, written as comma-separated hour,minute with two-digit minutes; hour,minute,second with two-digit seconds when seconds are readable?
2,57
